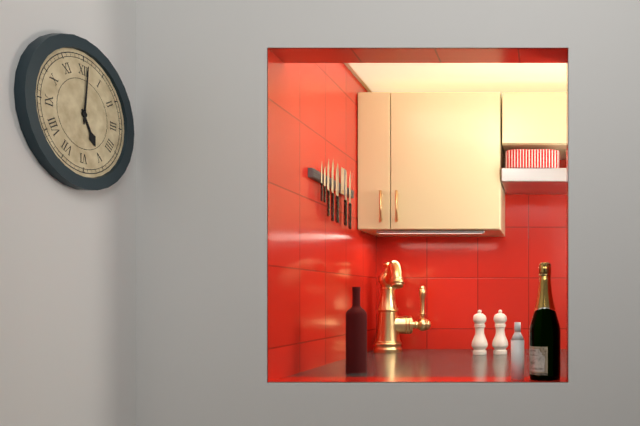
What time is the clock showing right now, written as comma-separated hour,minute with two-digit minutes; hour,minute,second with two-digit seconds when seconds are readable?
5,01
